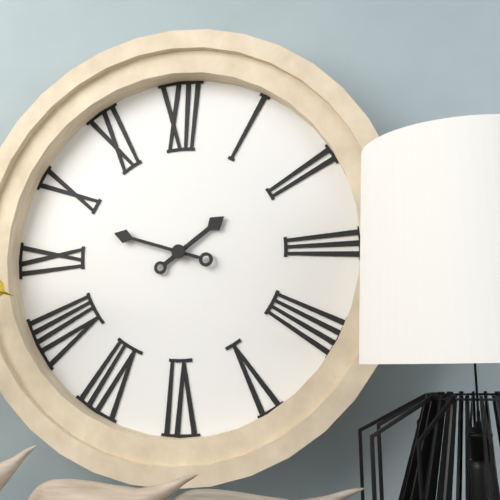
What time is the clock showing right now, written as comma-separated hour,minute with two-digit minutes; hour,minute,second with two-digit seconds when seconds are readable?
1,48
